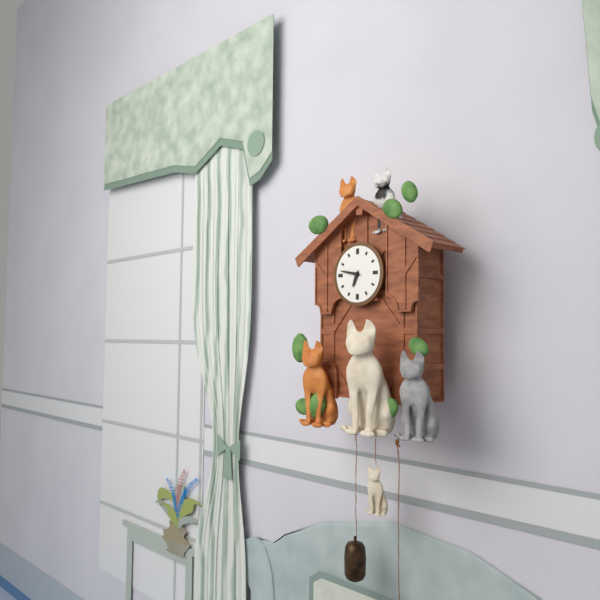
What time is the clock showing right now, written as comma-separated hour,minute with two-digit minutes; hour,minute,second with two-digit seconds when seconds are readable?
6,47
